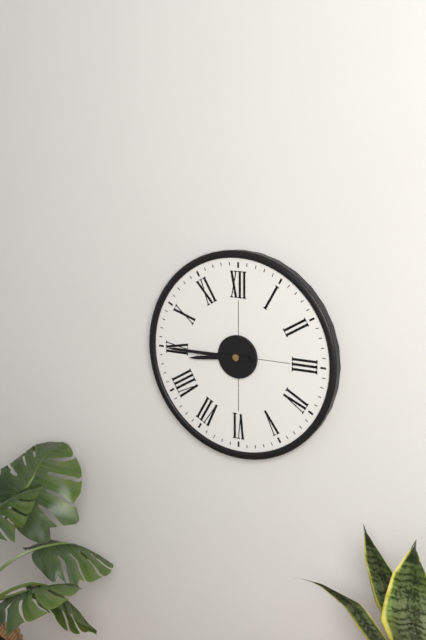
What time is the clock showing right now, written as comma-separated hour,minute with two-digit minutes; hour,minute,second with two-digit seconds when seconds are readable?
8,45
